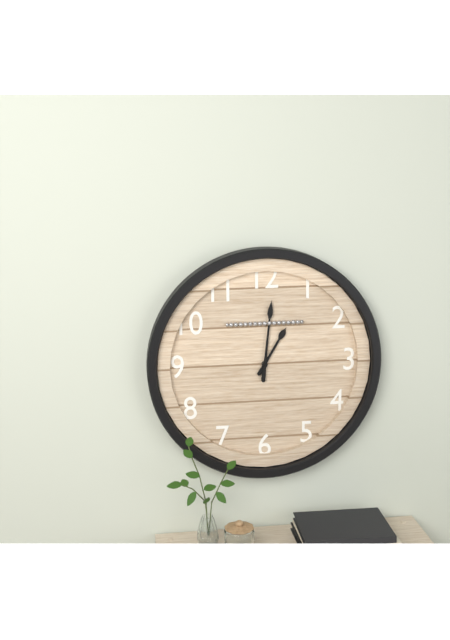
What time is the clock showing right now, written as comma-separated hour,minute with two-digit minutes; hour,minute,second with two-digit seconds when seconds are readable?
1,01
